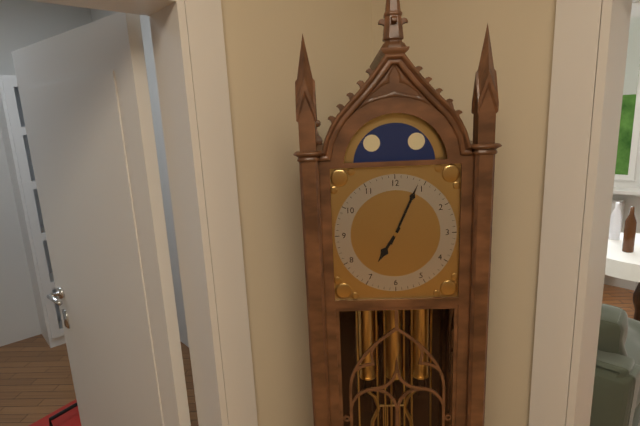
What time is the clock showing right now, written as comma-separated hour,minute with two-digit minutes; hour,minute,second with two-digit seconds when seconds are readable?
7,04
